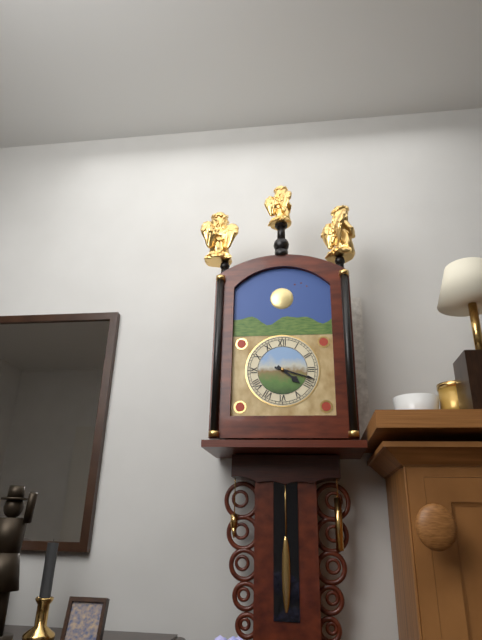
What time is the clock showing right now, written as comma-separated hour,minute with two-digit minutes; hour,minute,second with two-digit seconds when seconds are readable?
4,18
